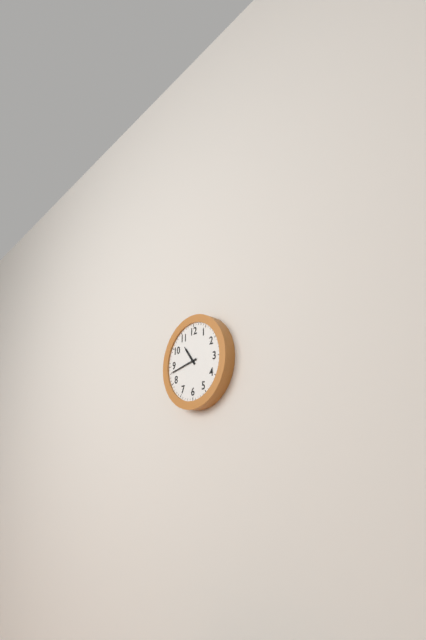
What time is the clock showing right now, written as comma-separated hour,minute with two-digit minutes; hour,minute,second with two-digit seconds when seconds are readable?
10,43
